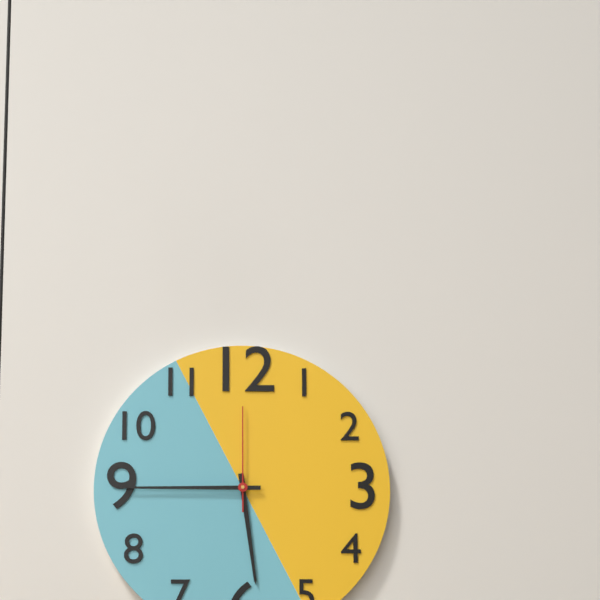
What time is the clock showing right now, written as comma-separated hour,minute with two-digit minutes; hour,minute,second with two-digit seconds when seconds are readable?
5,45,00
